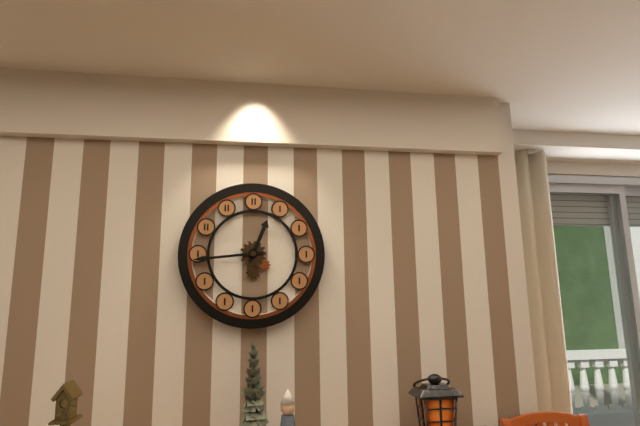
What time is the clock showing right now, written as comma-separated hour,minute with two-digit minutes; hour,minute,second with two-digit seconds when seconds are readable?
12,44
